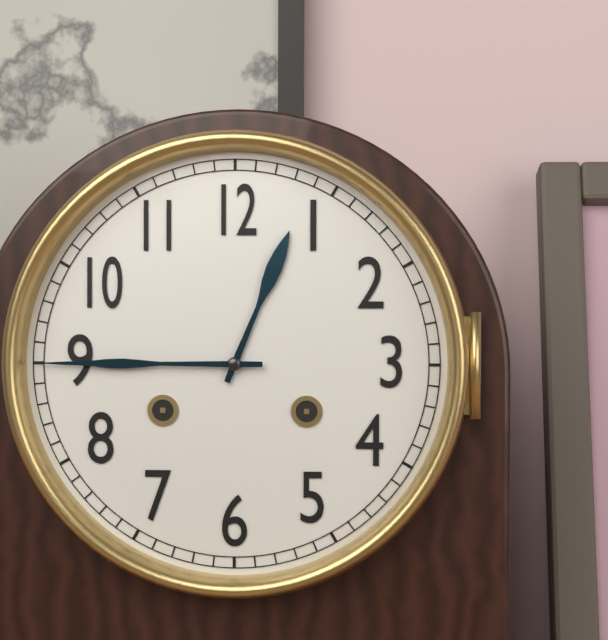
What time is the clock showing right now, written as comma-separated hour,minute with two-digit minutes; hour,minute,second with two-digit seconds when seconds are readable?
12,45
